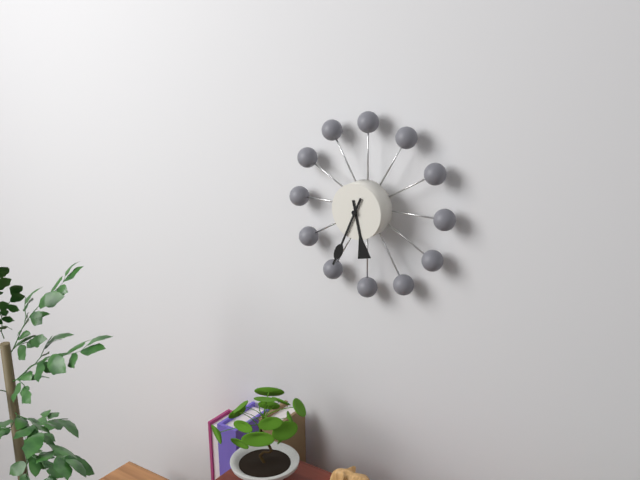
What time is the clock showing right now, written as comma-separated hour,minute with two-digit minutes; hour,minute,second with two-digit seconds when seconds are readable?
5,34
